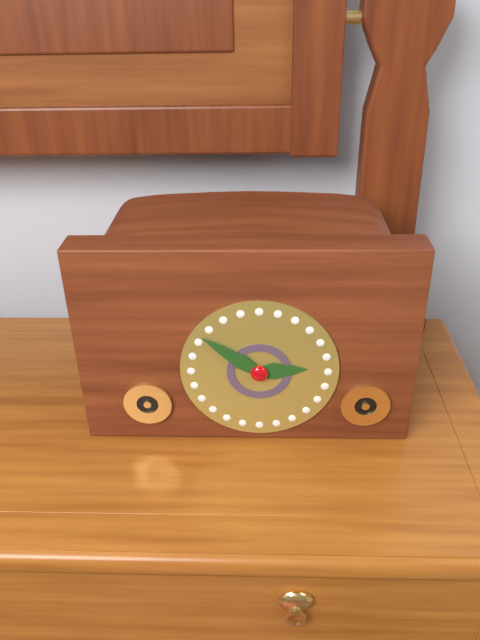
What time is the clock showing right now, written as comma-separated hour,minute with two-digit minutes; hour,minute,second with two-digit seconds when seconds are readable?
2,51
